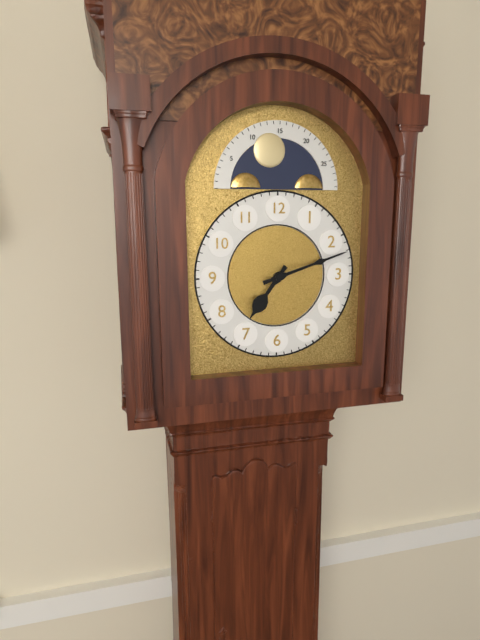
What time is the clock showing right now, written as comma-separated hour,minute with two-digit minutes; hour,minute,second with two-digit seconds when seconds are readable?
7,12
